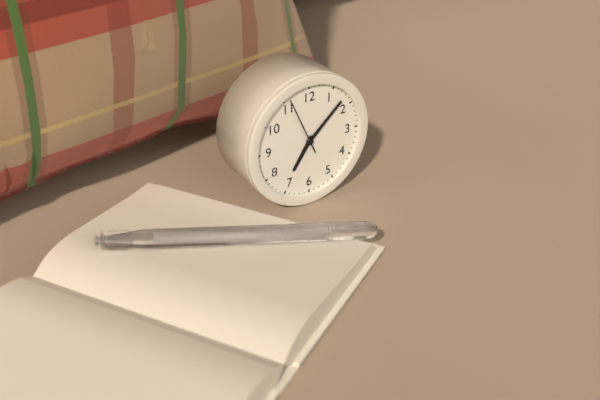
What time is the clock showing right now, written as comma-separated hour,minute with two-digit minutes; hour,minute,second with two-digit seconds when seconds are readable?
7,08,56
